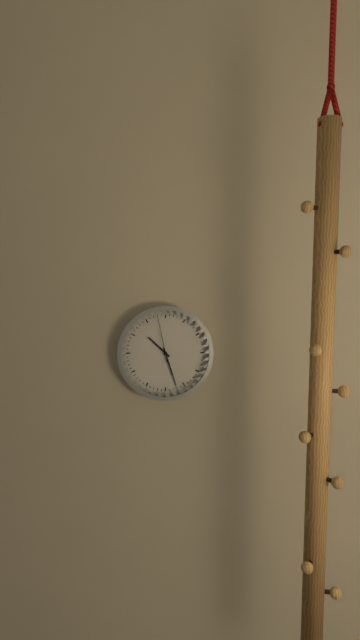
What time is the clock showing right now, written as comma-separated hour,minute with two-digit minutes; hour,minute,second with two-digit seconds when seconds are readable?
10,27
